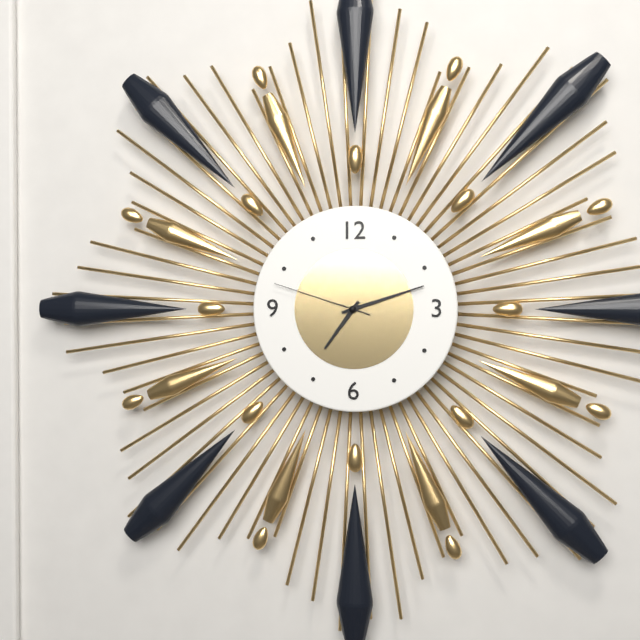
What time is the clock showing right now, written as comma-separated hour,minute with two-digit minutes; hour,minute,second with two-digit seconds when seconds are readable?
7,12,48
